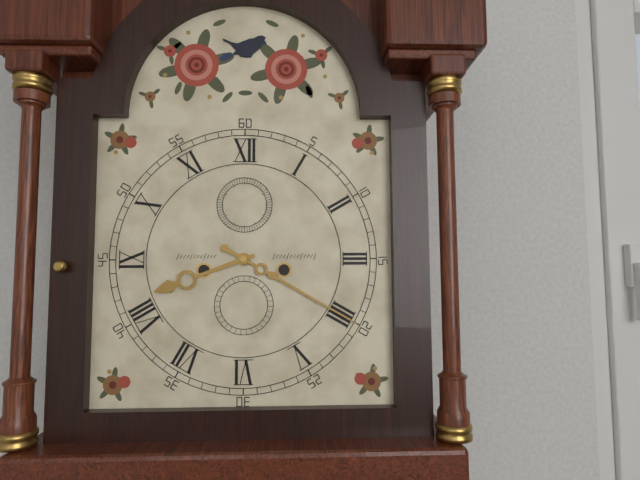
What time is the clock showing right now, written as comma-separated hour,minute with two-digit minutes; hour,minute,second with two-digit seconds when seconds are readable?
8,20
